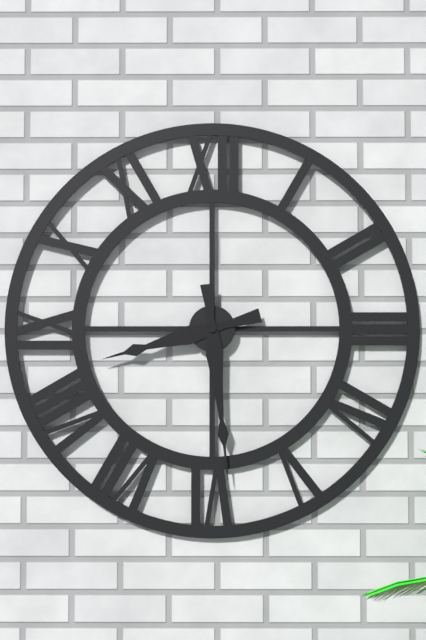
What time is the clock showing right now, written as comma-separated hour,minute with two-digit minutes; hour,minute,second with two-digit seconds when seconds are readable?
8,29
